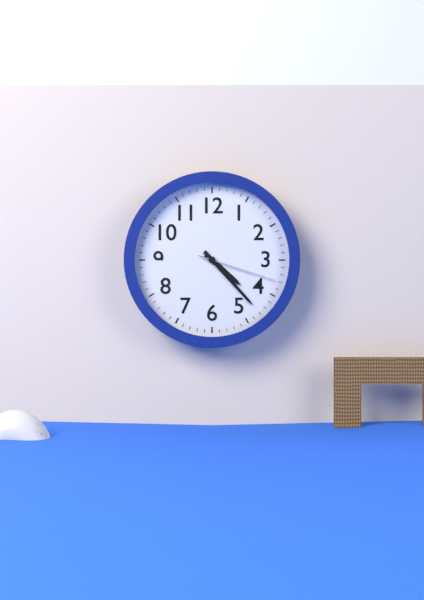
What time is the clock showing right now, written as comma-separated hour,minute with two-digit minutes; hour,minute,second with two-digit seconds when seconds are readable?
4,23,18
